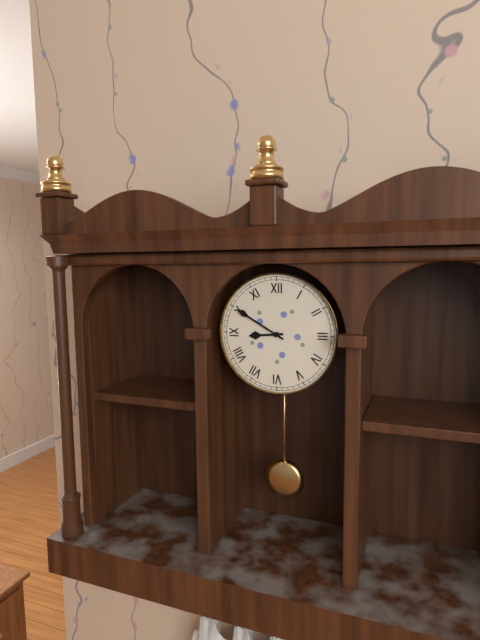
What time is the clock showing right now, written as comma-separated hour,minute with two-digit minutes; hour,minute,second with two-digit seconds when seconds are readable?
8,50
